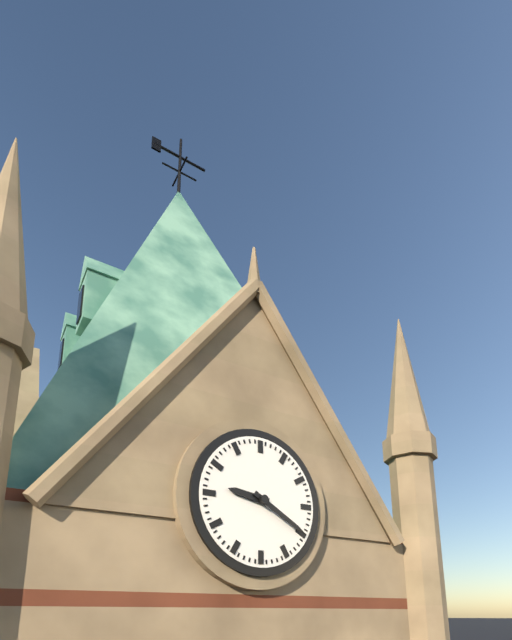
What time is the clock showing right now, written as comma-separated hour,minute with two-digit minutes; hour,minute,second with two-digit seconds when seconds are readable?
9,20
